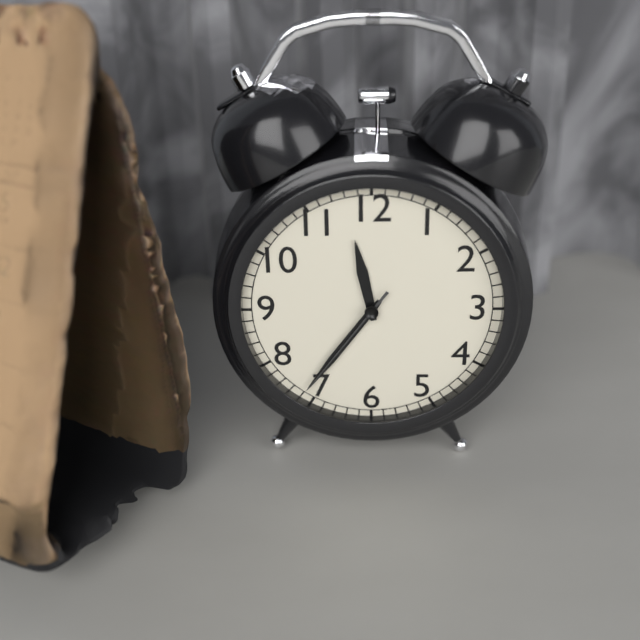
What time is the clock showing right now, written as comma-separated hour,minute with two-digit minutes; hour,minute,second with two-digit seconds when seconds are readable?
11,36,36
